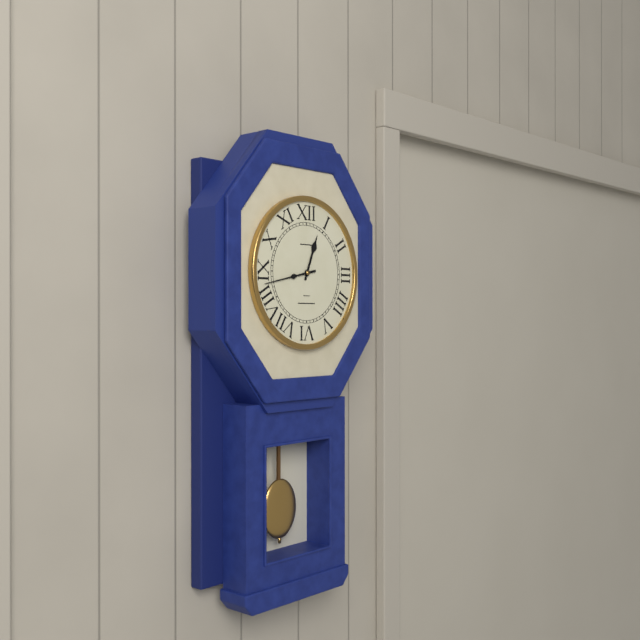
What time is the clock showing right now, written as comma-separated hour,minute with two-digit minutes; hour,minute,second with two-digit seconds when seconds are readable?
12,43
